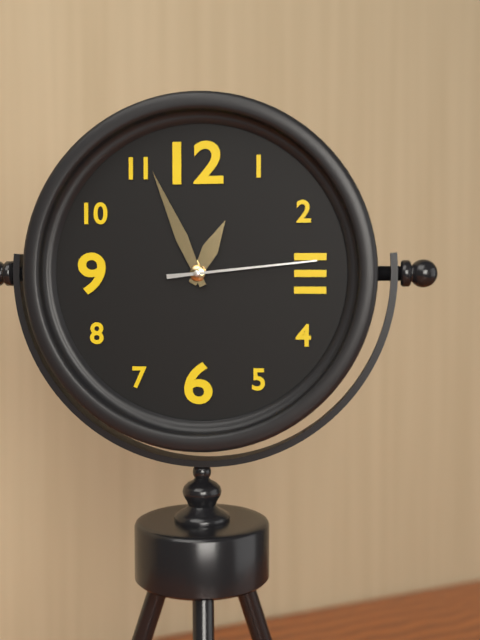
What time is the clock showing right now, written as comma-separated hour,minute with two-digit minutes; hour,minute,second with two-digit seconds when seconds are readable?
12,56,14
